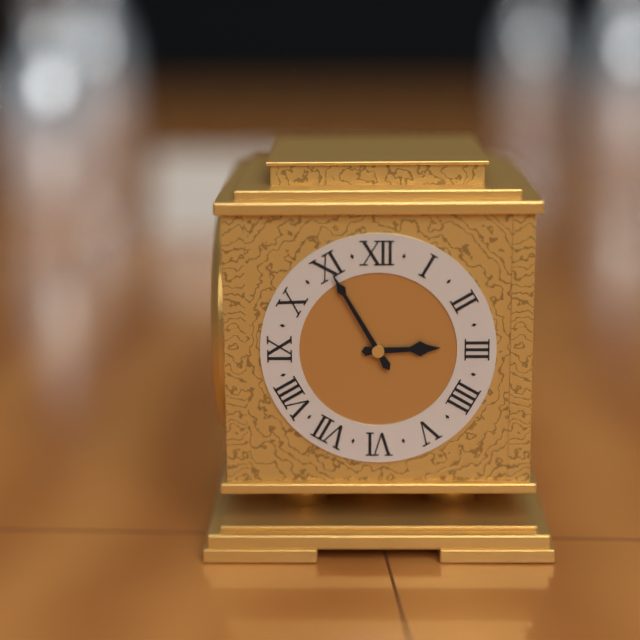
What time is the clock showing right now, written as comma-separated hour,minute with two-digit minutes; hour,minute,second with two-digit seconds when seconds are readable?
2,55
